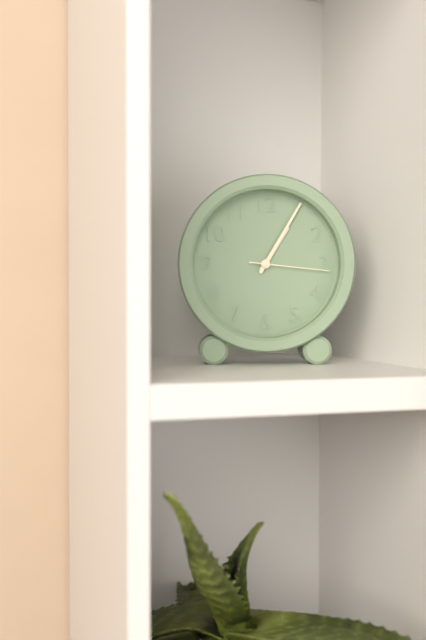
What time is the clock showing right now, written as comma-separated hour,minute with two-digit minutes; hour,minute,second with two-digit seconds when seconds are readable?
1,05,16
